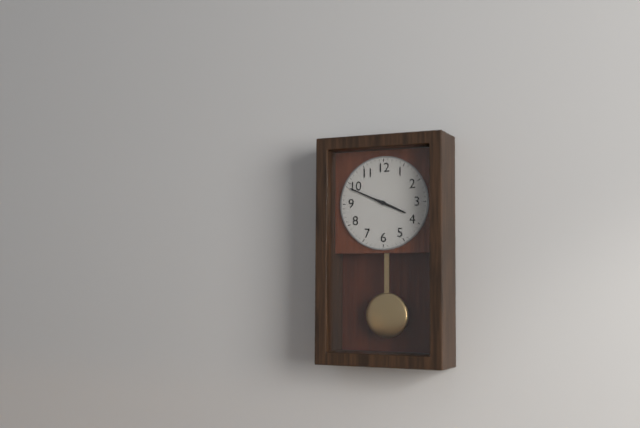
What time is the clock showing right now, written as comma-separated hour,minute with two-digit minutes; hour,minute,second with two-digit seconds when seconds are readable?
3,49
